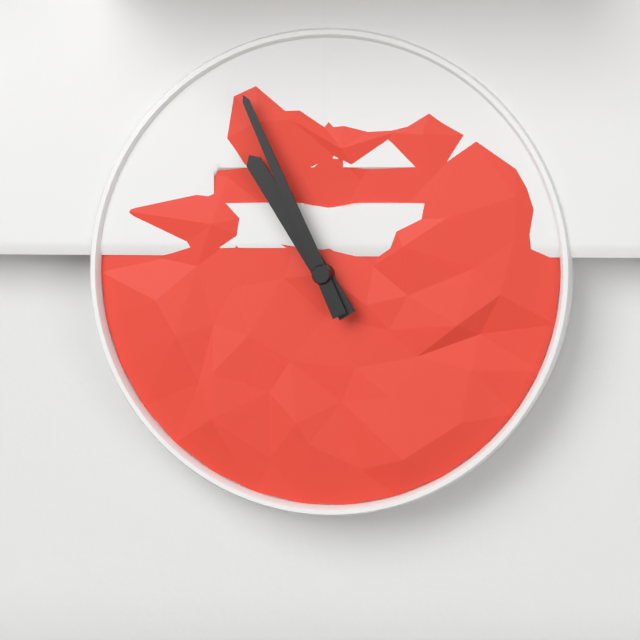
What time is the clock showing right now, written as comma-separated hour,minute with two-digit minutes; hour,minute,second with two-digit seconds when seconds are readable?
10,56
